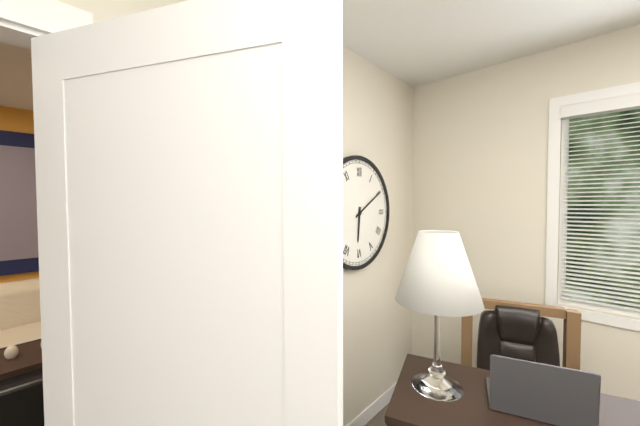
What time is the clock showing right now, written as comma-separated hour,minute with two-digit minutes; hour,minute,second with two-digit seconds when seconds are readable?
6,10
